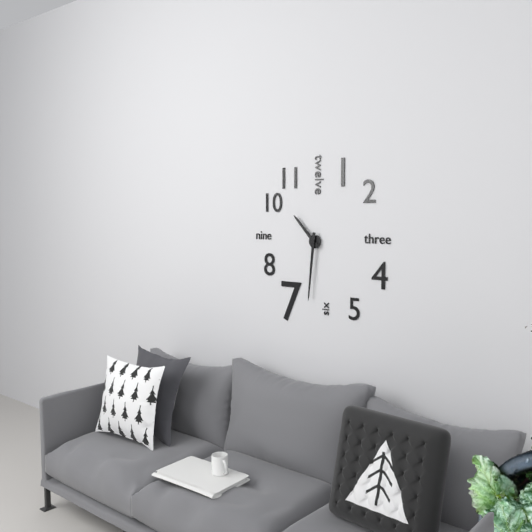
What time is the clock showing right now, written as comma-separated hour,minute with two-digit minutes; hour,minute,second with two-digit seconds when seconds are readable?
10,31
